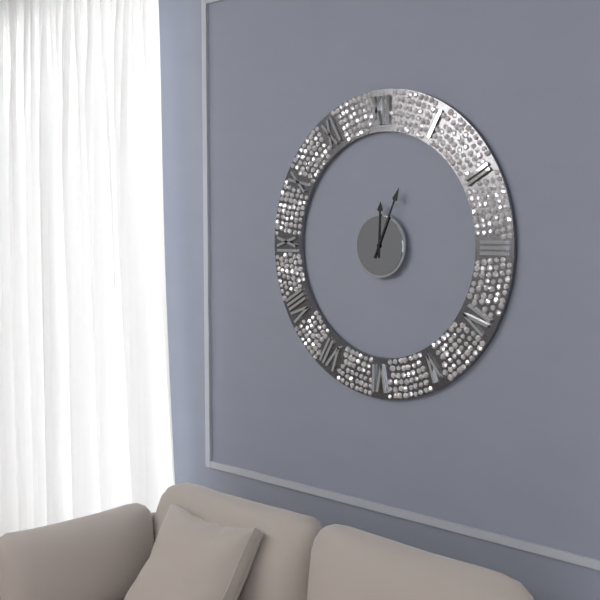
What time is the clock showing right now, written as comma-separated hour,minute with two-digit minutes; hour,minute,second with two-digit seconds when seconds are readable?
12,04
